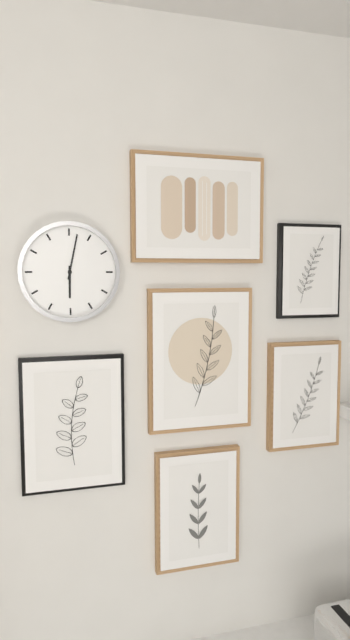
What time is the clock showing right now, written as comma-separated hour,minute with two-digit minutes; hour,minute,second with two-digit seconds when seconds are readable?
6,02
